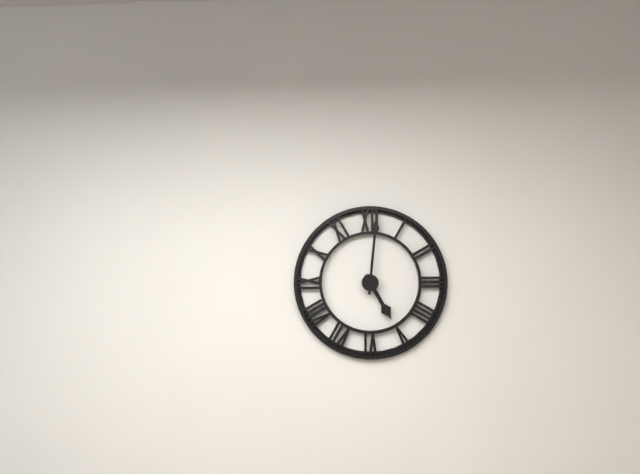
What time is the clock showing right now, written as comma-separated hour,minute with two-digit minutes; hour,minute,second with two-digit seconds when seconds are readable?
5,01
